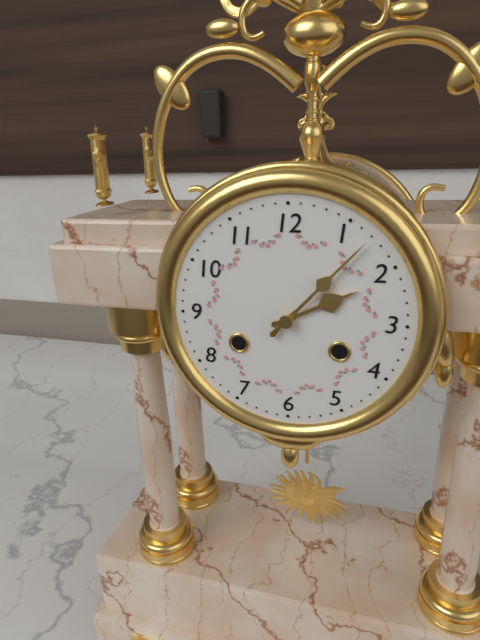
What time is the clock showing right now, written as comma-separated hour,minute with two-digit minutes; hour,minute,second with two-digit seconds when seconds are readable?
2,07
